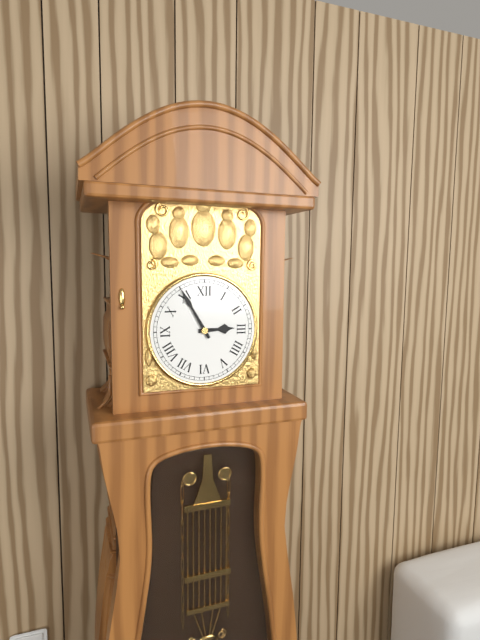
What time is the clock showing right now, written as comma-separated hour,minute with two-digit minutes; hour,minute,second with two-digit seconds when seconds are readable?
2,55
